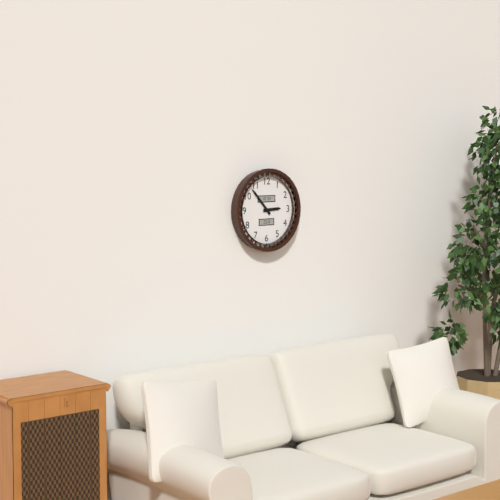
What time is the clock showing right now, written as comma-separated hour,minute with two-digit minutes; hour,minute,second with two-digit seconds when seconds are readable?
2,53
